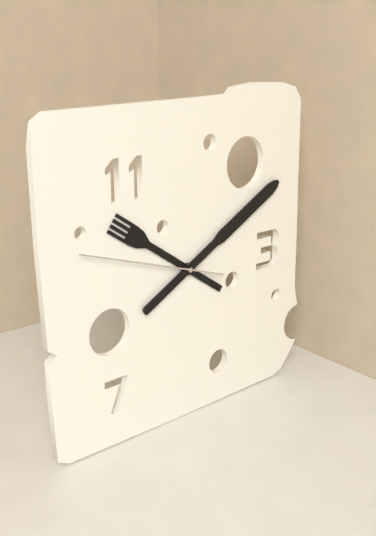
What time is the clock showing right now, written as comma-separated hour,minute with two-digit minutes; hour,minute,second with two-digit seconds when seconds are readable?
10,10,48
